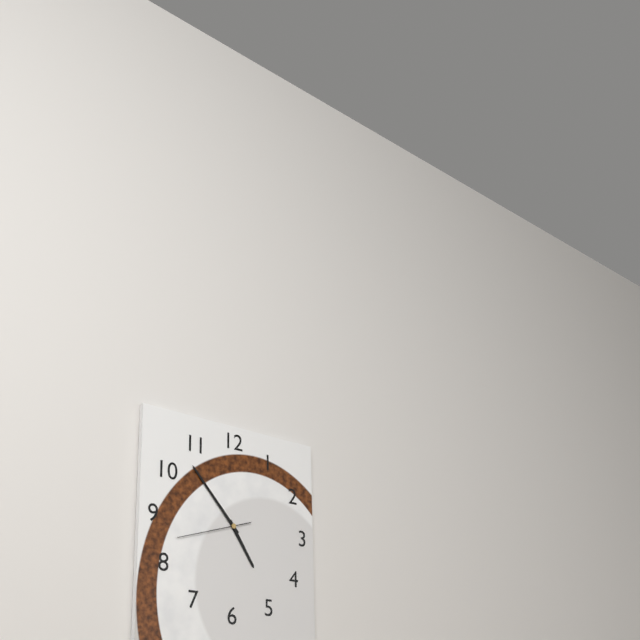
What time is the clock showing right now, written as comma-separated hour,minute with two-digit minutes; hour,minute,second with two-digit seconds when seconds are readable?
4,53,42
